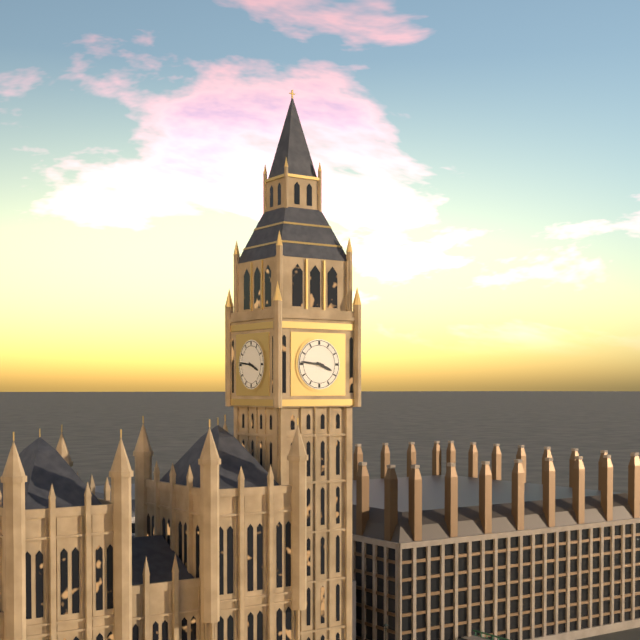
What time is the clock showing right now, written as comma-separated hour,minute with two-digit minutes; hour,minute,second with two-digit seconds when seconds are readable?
3,46
